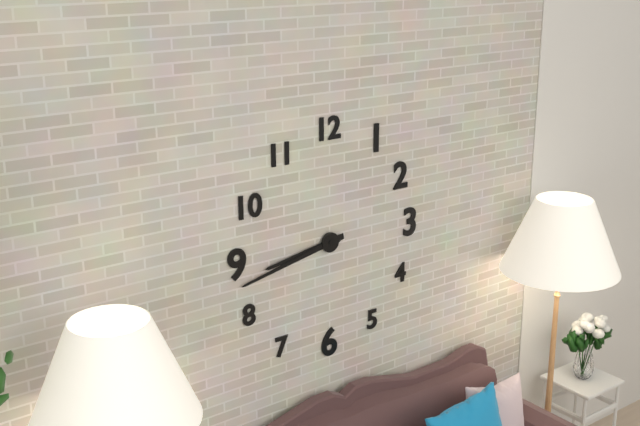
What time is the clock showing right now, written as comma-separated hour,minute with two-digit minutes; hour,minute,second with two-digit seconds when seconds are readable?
8,43
